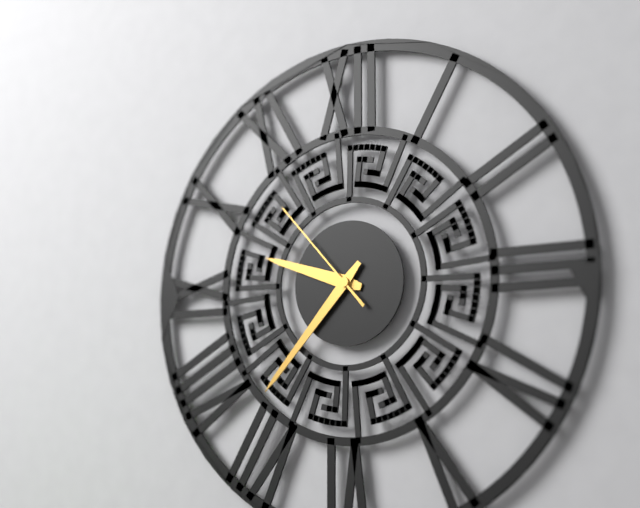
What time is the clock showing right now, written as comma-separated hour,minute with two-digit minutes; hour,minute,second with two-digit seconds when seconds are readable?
9,37,53
